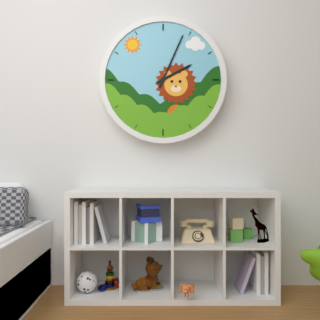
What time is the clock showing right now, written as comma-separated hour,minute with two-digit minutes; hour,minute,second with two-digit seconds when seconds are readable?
2,04
